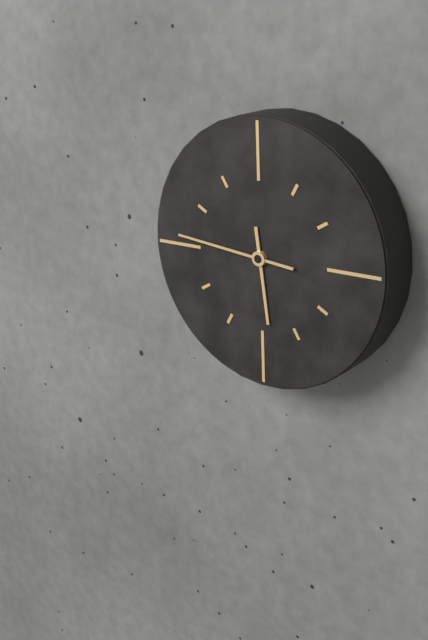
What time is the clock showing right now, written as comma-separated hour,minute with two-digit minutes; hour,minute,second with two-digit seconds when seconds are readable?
5,46
